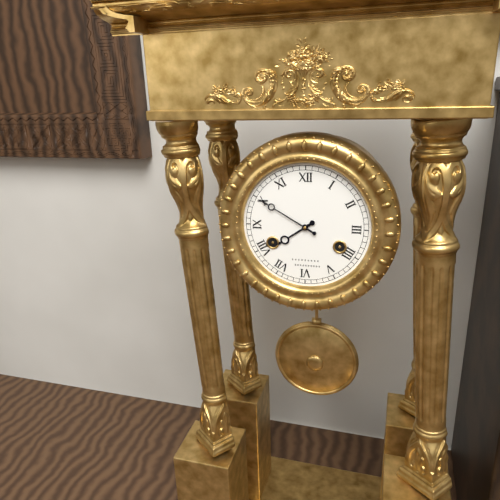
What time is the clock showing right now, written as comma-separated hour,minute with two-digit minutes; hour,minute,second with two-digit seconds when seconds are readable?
7,50
